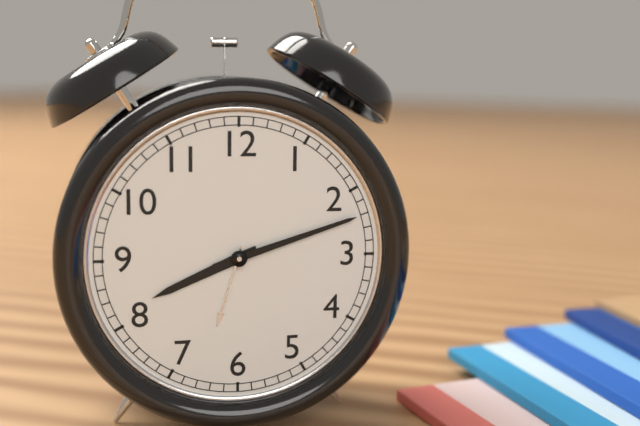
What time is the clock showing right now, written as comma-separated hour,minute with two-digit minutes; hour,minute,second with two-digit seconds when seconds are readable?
8,12
